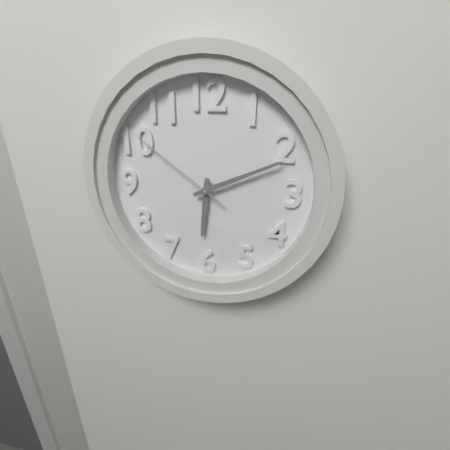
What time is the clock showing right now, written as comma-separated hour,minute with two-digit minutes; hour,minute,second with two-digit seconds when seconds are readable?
6,11,51
